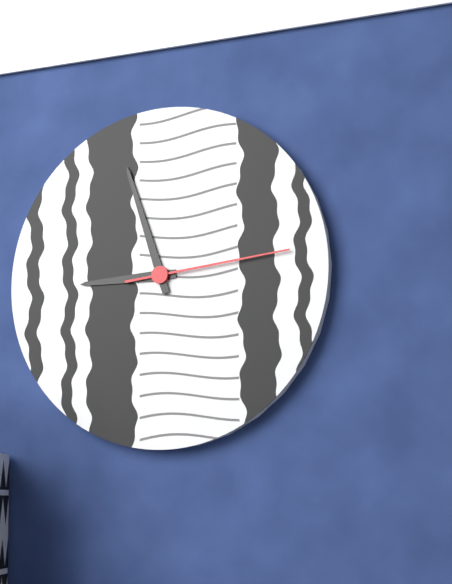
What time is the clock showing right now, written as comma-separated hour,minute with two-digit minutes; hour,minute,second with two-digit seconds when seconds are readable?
8,57,14
